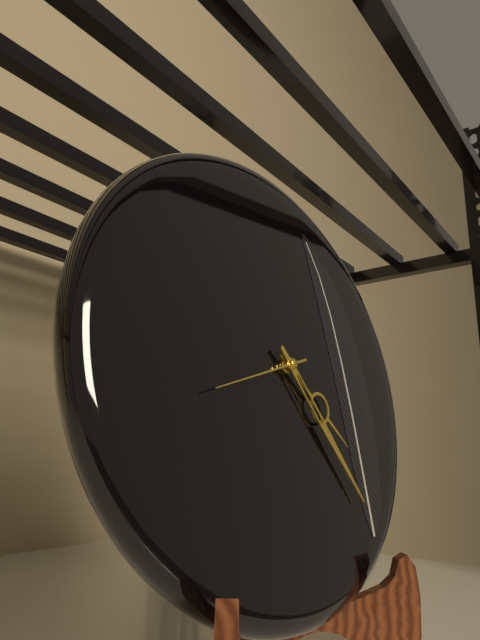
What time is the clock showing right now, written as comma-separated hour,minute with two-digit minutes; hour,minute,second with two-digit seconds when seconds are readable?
4,24,42
